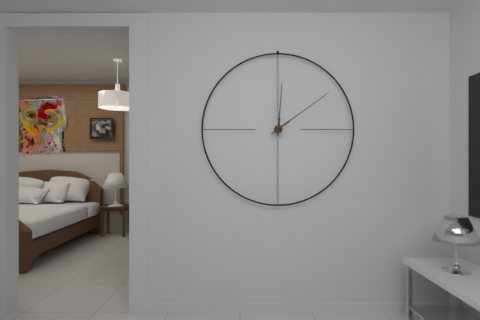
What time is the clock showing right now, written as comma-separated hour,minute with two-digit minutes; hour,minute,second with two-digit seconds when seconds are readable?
12,09
